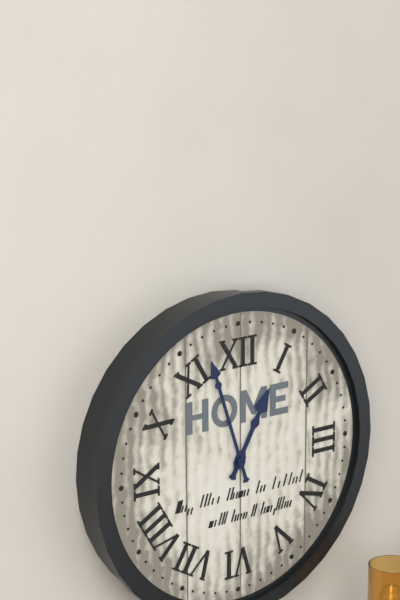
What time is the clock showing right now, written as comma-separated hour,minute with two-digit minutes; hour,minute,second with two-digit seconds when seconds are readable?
12,57
